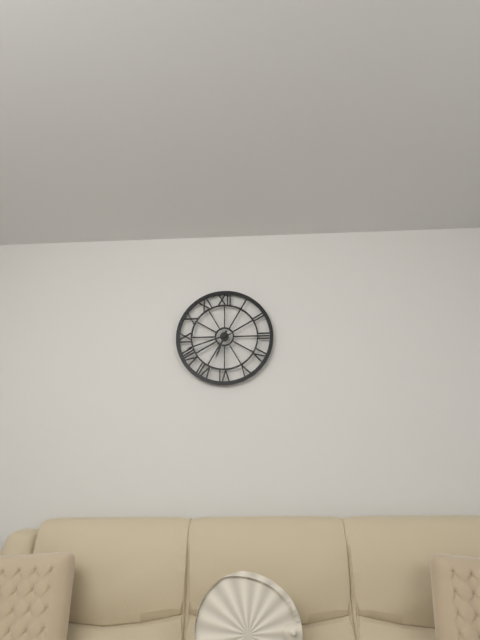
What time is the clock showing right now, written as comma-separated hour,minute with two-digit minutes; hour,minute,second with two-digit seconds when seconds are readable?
6,42
